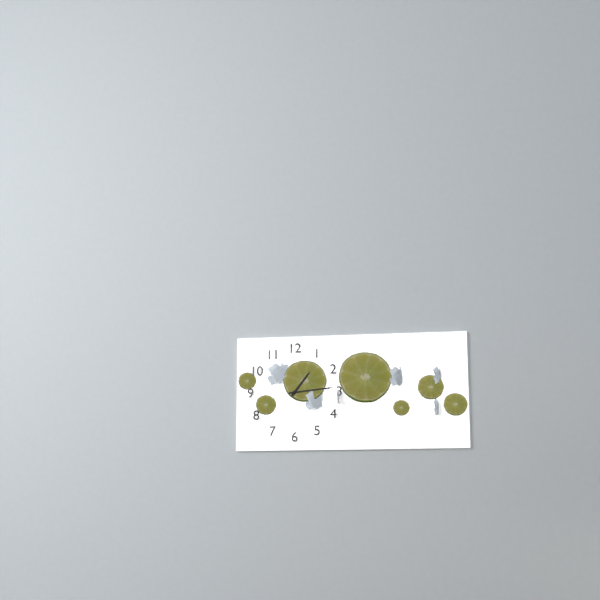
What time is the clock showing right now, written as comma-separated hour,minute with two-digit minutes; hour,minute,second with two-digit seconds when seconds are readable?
1,14
